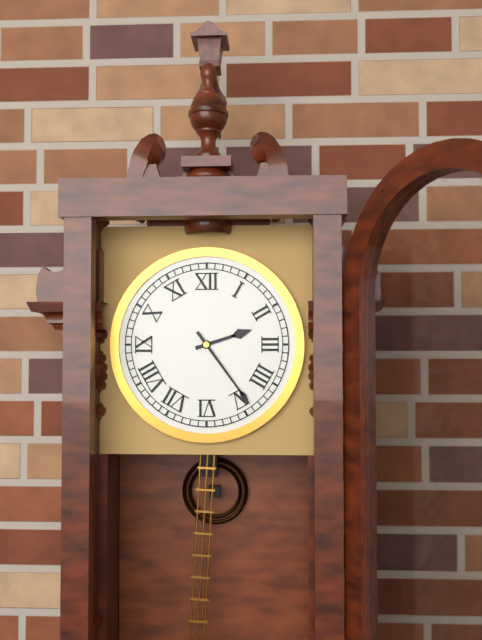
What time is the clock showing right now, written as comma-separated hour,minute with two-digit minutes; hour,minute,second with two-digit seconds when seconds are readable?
2,24
